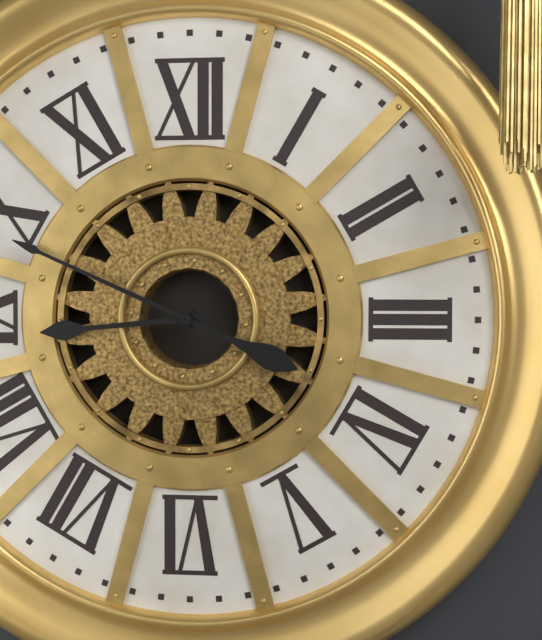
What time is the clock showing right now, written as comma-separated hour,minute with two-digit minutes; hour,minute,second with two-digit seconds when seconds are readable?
8,49
